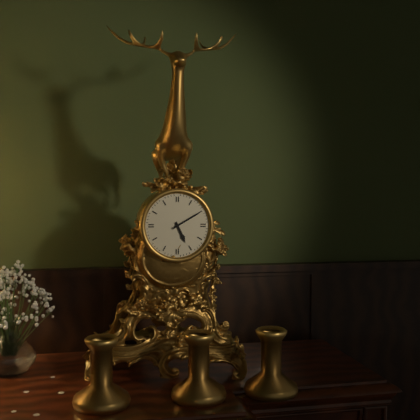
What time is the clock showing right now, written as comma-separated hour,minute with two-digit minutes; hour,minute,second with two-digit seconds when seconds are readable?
5,10
